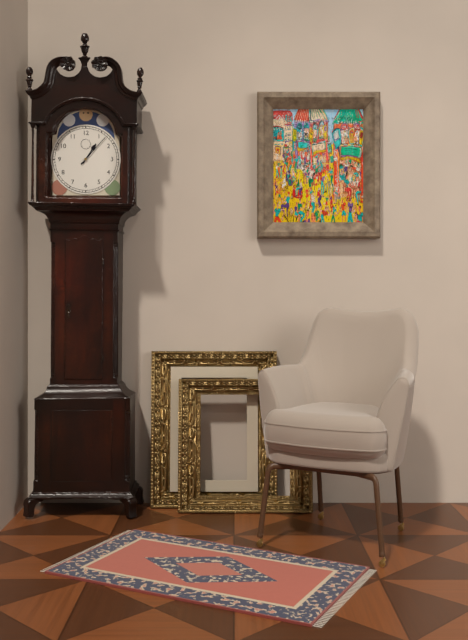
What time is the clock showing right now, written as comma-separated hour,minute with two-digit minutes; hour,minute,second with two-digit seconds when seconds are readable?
1,07
